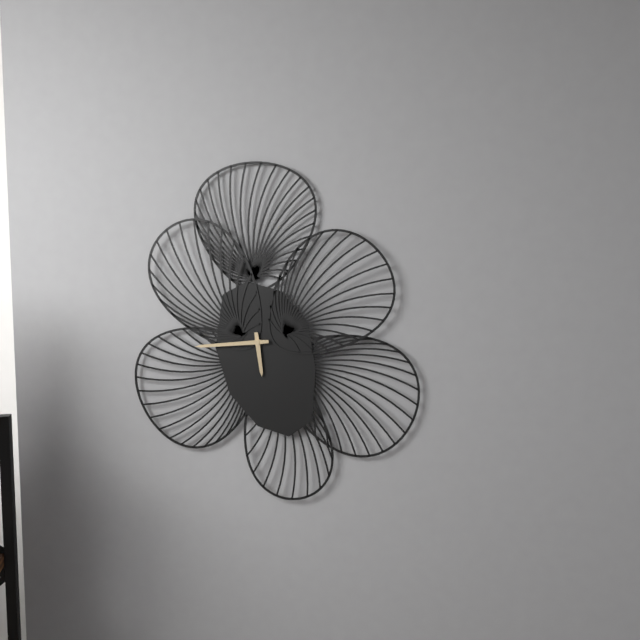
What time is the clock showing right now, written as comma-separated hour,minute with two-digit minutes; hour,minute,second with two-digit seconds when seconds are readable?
5,44
